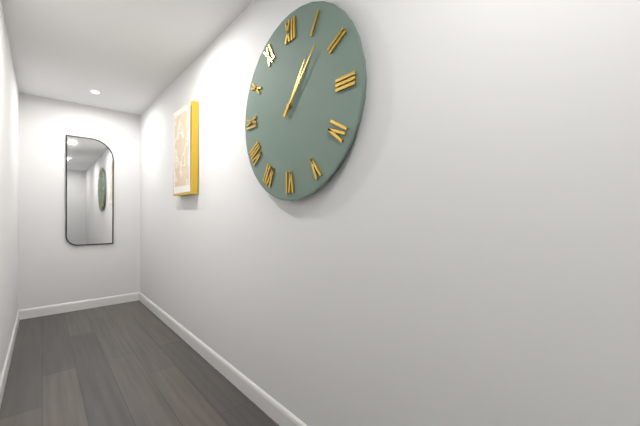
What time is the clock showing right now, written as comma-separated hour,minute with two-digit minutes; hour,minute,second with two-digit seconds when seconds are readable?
1,07
